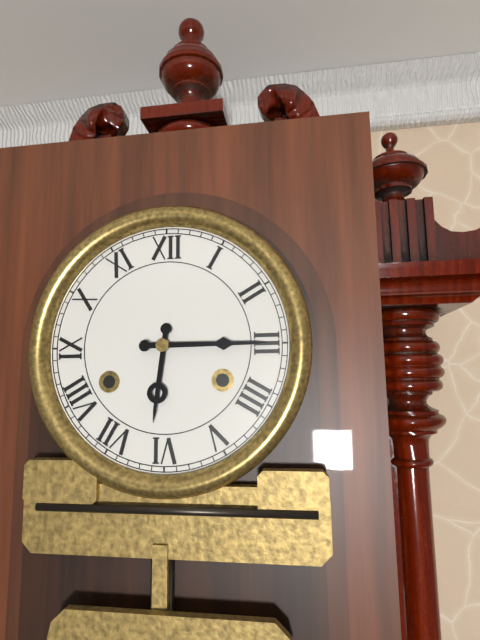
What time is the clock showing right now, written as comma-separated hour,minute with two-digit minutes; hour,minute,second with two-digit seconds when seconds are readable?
6,15
